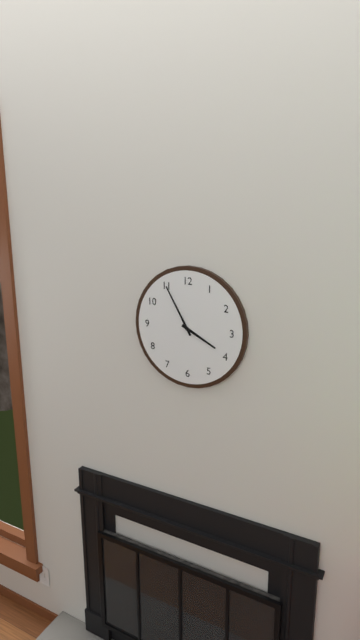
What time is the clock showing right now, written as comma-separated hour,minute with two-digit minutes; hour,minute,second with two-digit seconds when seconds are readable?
3,55
